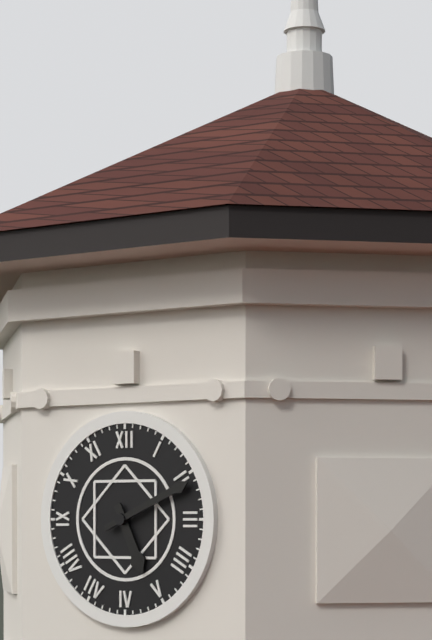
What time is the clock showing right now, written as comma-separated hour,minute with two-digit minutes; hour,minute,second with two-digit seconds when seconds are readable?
5,11
